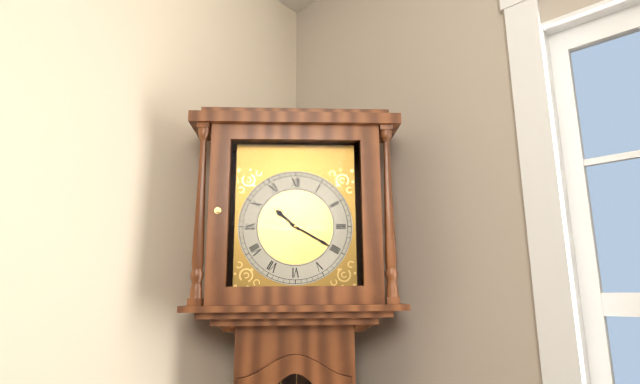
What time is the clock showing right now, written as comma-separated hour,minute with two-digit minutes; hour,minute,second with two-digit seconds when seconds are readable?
10,20
